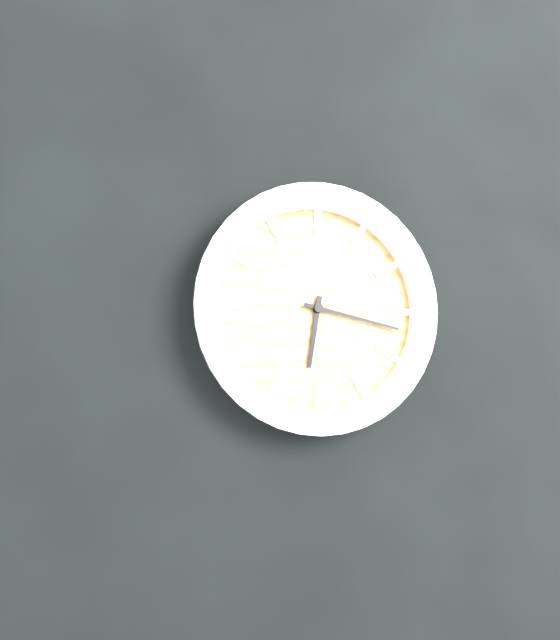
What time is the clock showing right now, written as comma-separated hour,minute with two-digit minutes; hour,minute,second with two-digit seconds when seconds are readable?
6,17
